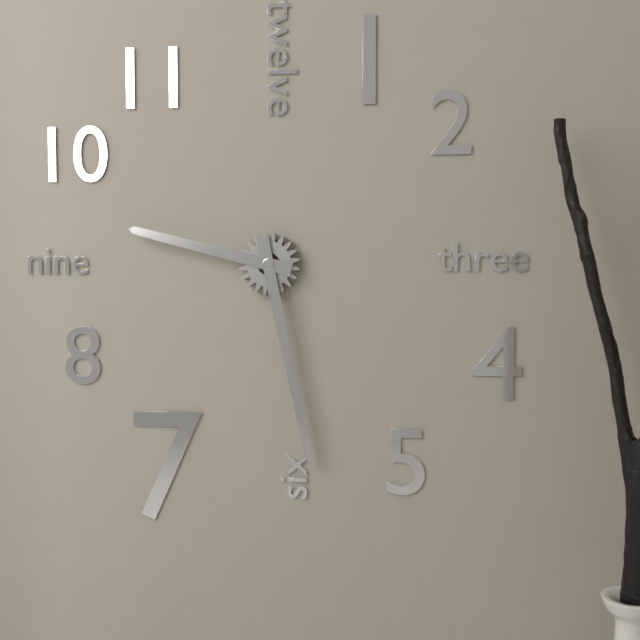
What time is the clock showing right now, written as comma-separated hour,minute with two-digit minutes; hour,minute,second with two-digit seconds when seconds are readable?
9,28
